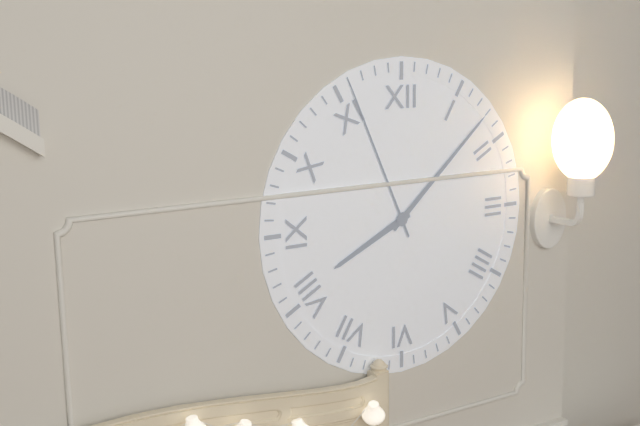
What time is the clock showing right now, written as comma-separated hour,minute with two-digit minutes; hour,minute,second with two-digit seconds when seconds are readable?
8,08,56
